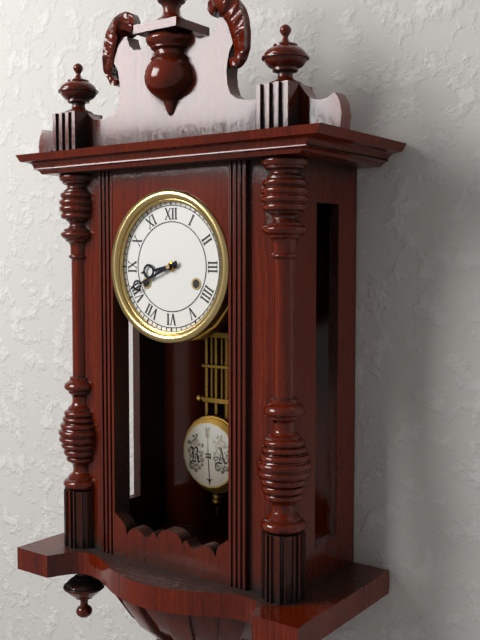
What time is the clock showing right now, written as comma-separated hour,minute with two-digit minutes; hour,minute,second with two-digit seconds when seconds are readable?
8,41
